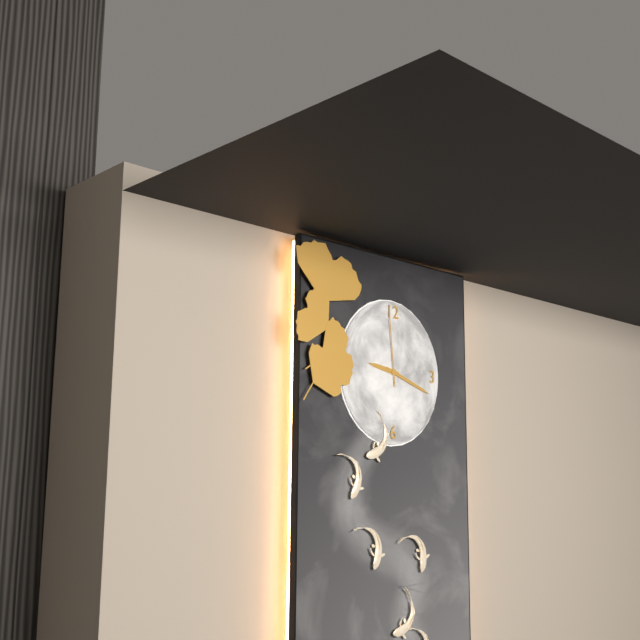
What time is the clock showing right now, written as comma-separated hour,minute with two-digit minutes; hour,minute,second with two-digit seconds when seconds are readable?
9,18,59
